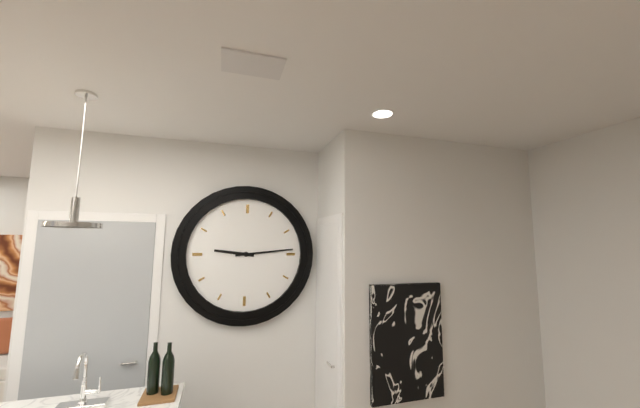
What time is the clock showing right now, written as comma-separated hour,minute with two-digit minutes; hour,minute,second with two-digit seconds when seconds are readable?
9,14
